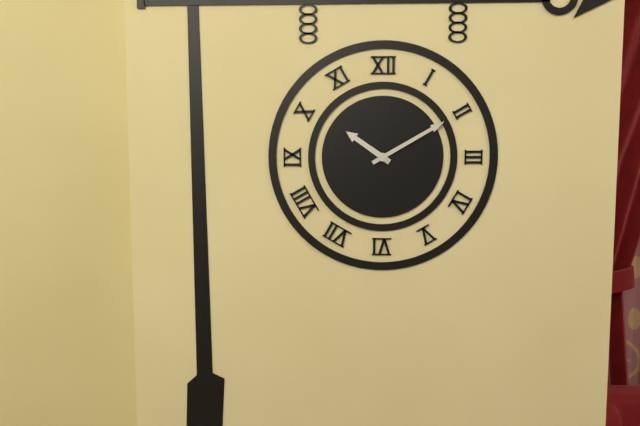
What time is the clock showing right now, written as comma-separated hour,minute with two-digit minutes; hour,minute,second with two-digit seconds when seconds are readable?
10,10
